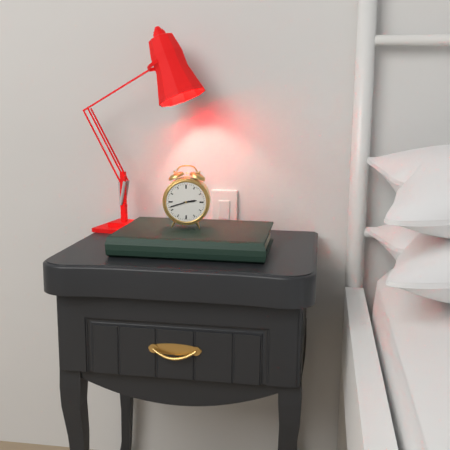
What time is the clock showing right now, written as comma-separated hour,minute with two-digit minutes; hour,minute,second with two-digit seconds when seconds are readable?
2,42
